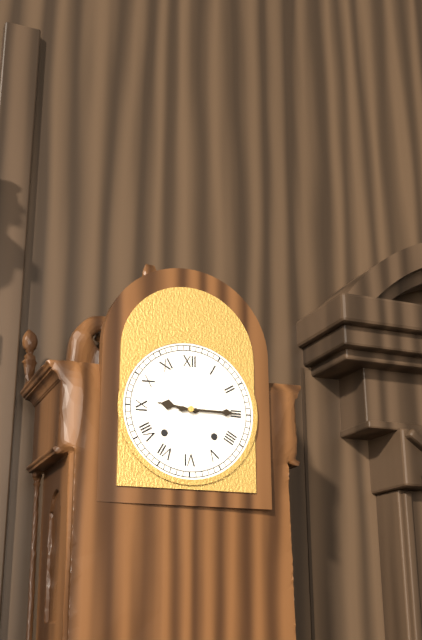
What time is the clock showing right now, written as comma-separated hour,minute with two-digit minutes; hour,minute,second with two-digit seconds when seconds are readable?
9,15
